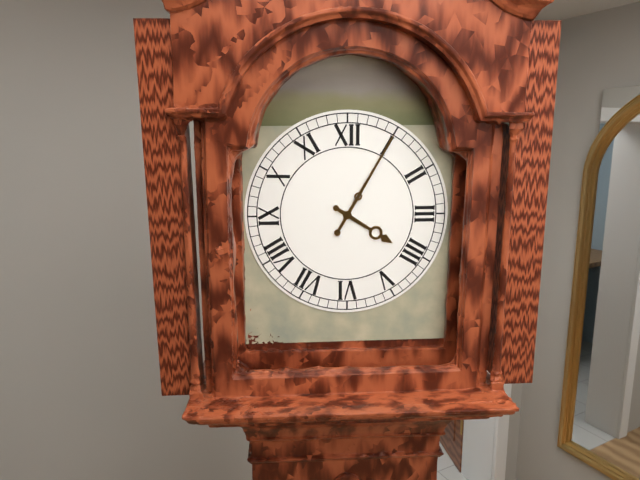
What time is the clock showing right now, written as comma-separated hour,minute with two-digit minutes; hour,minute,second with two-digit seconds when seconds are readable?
4,05
